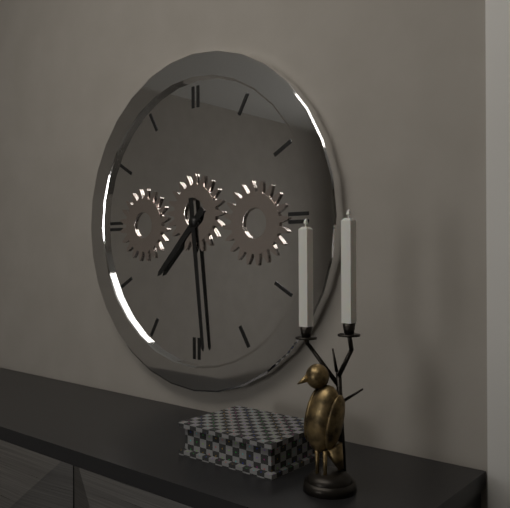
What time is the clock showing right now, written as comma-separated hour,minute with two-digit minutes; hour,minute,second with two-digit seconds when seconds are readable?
7,29
